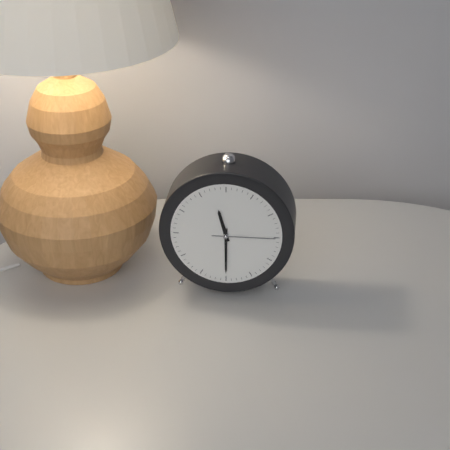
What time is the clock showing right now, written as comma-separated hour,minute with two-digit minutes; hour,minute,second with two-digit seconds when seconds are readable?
11,30,15
